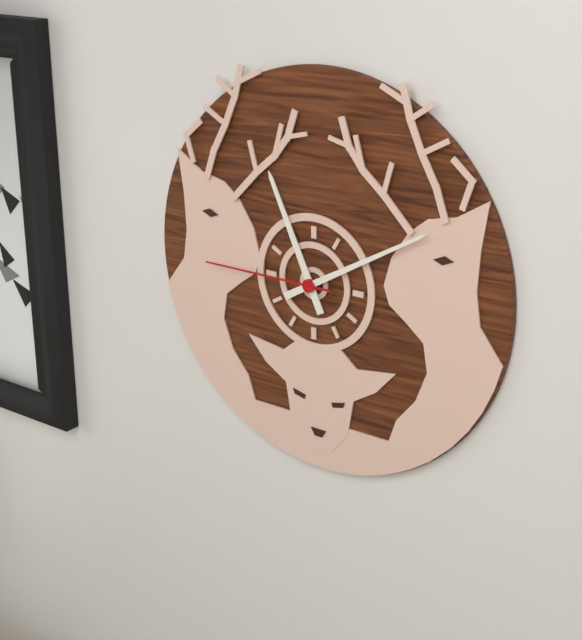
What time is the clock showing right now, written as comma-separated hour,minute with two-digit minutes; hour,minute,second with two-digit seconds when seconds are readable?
11,10,45
